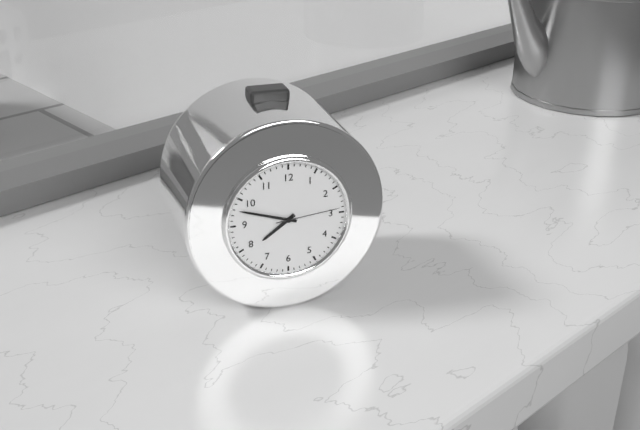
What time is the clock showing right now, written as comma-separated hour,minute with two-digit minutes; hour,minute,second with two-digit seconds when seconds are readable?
7,48,14
